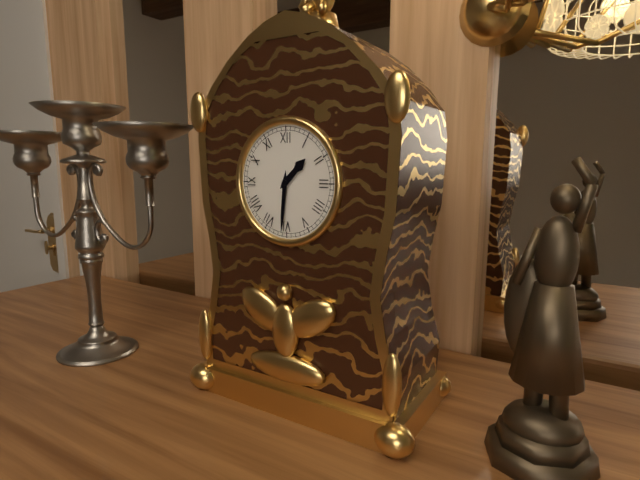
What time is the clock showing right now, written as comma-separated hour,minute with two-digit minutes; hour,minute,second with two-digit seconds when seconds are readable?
1,31
